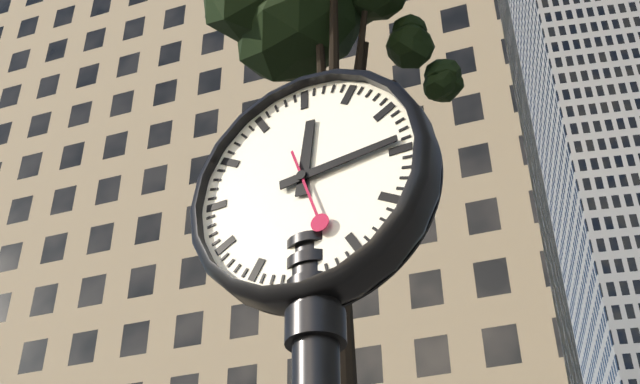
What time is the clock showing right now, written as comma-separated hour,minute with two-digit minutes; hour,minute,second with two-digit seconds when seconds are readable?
12,14,27
